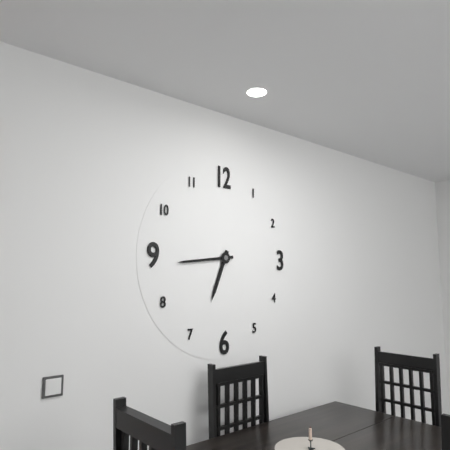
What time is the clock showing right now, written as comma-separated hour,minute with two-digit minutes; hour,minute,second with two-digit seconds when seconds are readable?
6,44
